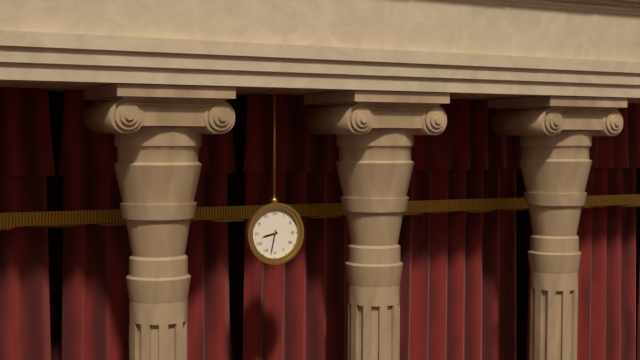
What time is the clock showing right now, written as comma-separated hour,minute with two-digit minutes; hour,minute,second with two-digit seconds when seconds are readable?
8,32
